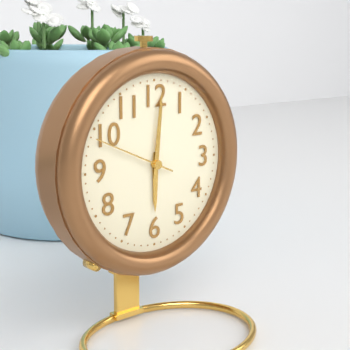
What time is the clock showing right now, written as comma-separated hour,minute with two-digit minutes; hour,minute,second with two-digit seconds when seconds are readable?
6,01,49
